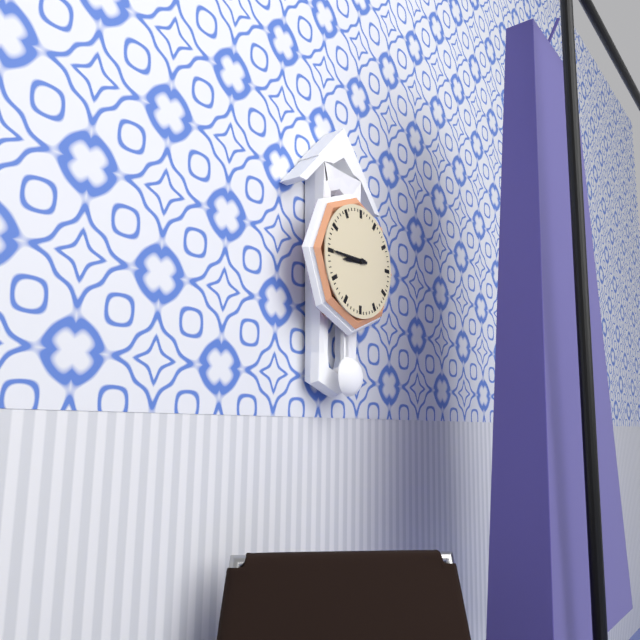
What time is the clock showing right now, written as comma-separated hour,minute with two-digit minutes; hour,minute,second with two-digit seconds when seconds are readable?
8,45
